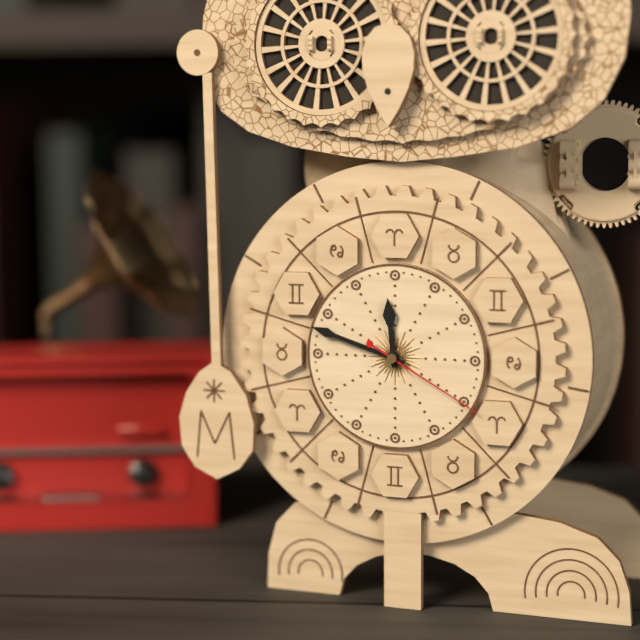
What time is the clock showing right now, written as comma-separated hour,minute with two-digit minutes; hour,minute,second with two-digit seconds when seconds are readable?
11,48,20
